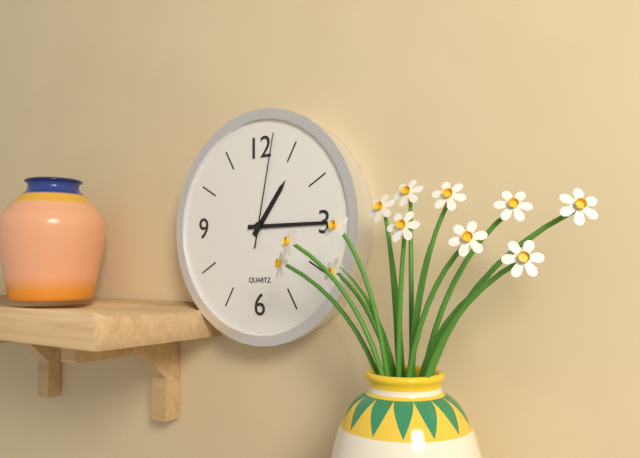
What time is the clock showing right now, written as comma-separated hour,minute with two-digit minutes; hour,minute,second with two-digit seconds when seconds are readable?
1,15,02
